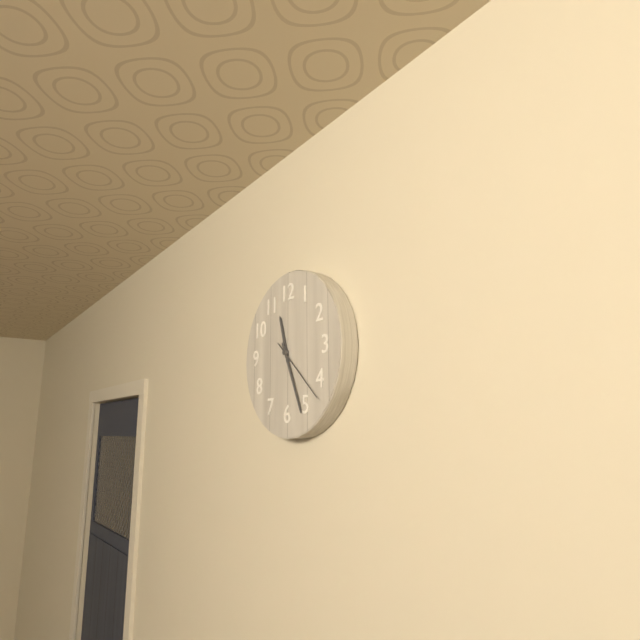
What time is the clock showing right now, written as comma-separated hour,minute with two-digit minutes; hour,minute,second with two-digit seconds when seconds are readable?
11,26,22
